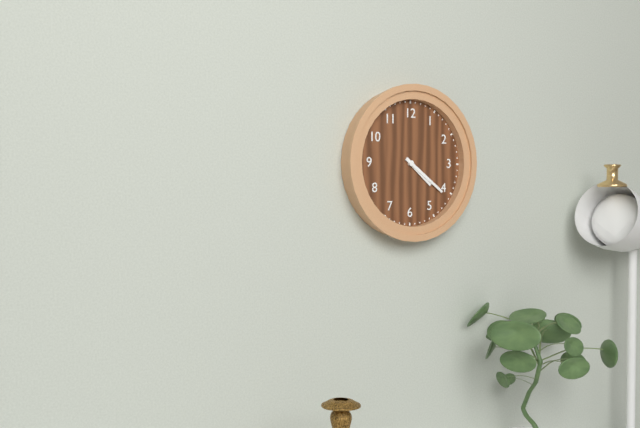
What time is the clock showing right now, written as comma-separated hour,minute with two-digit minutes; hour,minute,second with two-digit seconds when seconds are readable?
4,21
